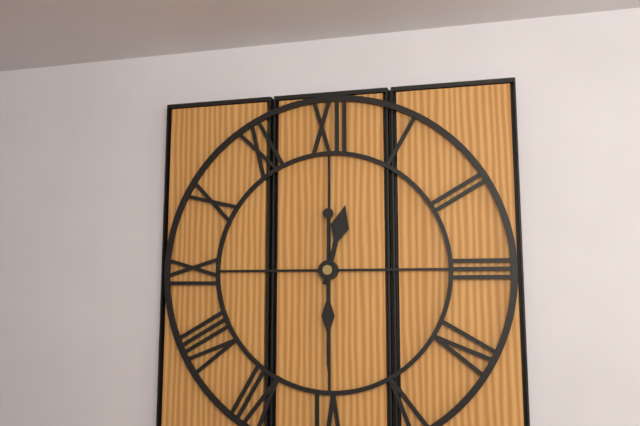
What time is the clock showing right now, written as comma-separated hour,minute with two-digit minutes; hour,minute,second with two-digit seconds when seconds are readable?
12,30
